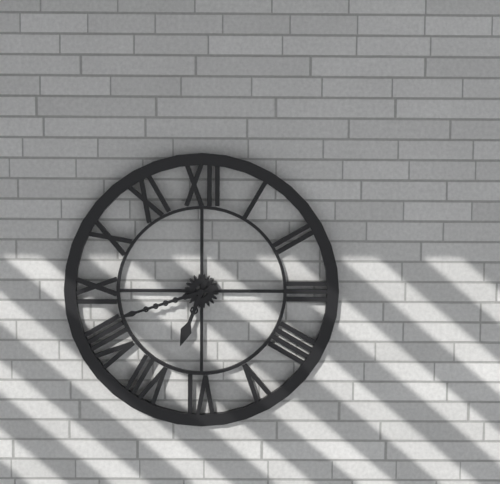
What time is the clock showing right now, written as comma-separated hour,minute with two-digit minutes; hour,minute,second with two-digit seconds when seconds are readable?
6,42
